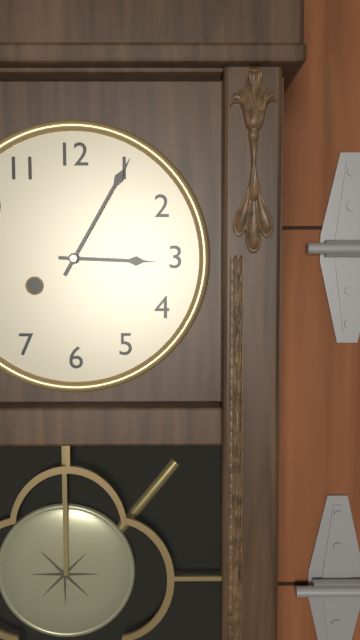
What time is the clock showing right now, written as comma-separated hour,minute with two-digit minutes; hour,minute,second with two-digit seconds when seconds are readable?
3,05
